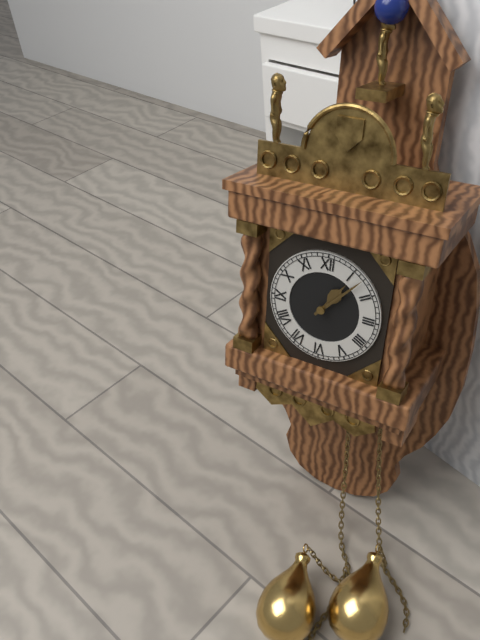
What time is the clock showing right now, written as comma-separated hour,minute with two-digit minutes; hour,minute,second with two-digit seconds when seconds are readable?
1,07
